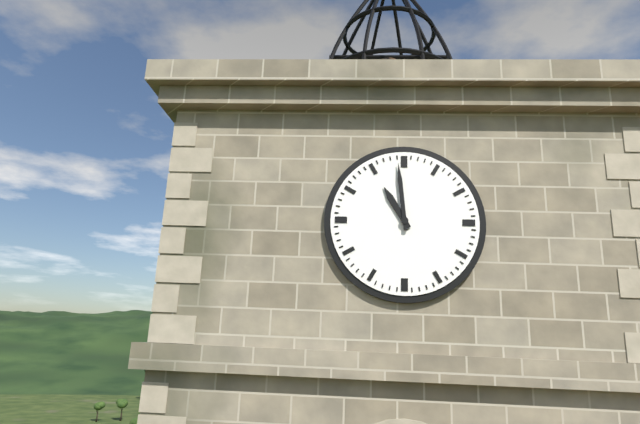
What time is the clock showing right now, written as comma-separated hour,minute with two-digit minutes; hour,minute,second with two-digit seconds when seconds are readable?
10,59
